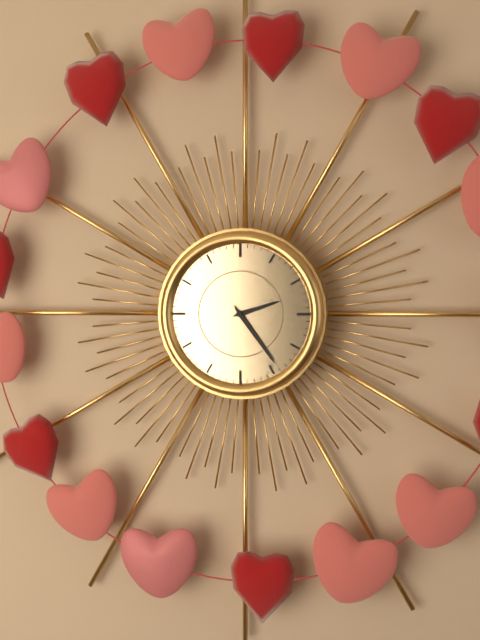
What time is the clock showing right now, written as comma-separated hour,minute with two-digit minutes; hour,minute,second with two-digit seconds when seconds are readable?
2,24
